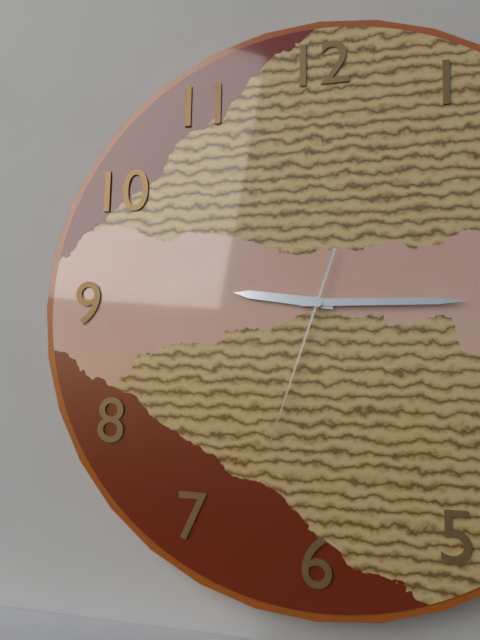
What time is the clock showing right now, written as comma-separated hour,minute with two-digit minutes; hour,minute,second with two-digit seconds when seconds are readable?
9,15,33
